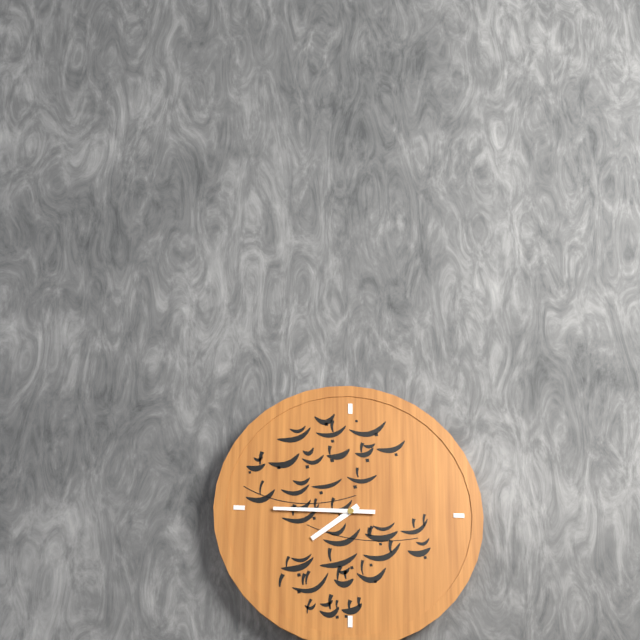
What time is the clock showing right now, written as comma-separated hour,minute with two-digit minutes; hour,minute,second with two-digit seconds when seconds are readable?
7,45
